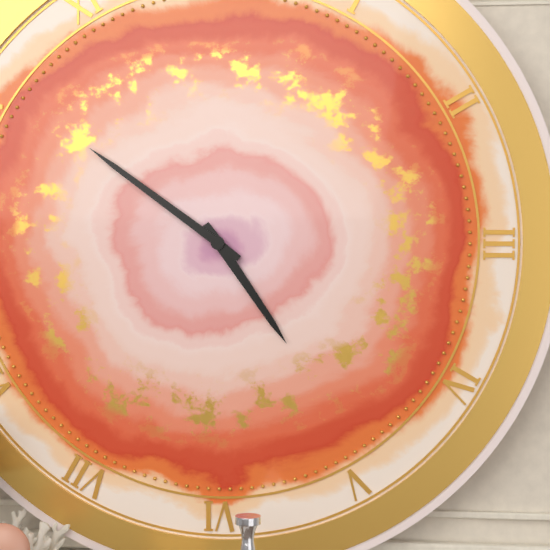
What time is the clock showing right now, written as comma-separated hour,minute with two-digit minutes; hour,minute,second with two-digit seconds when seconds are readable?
4,51
